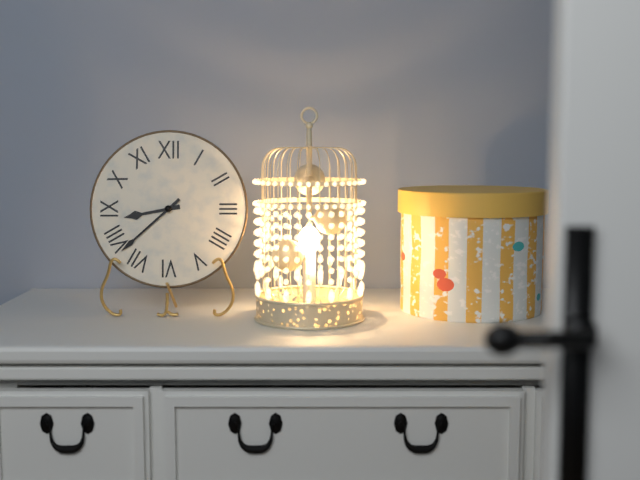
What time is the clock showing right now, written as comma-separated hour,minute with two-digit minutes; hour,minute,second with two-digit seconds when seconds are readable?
8,38
